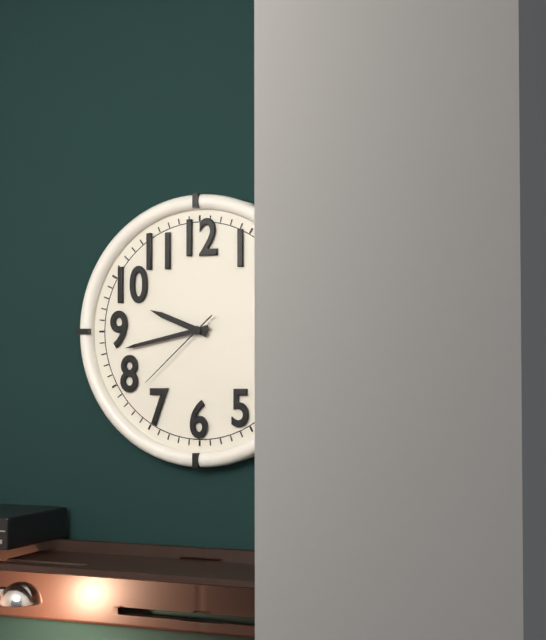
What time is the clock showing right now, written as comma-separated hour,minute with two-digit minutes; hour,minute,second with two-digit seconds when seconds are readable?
9,43,38
